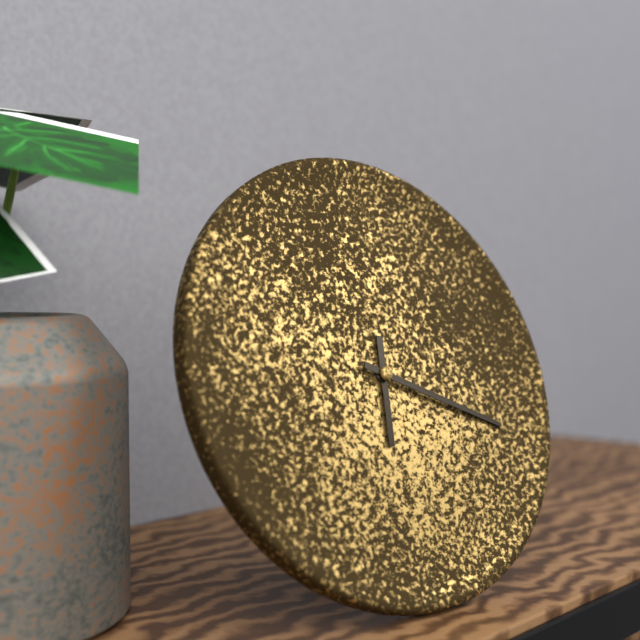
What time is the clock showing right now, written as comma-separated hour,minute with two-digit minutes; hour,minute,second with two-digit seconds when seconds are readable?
6,19
